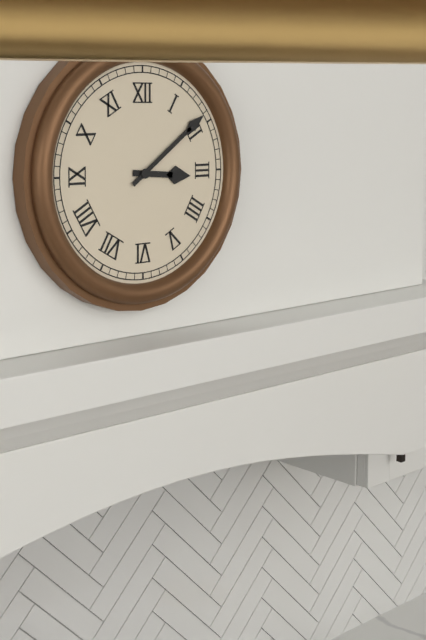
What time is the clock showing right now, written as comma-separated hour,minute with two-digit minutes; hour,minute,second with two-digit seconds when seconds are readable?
3,09
